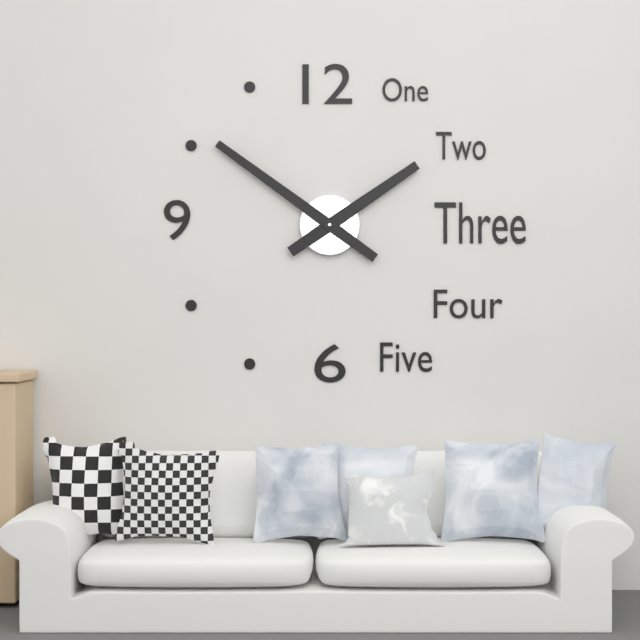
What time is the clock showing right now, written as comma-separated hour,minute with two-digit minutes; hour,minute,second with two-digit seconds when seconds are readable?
1,51
